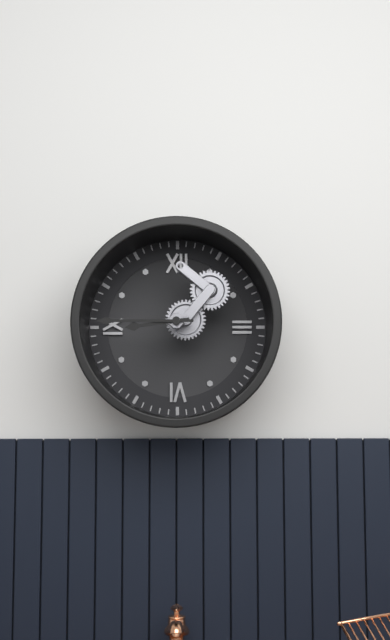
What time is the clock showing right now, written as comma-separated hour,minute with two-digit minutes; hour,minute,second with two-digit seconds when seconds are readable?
8,45
